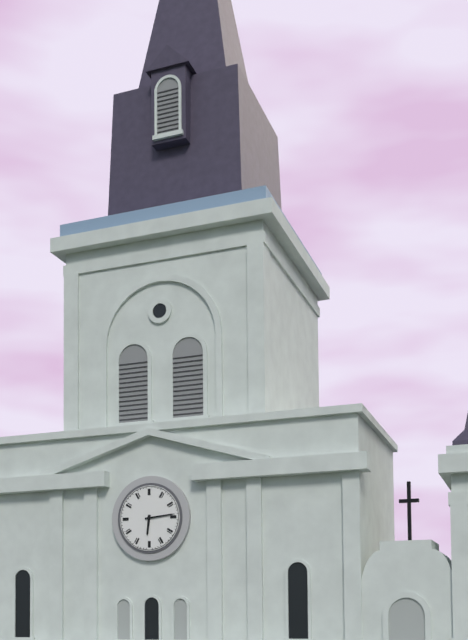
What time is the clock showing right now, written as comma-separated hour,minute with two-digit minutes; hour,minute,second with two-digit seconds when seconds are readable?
6,14
